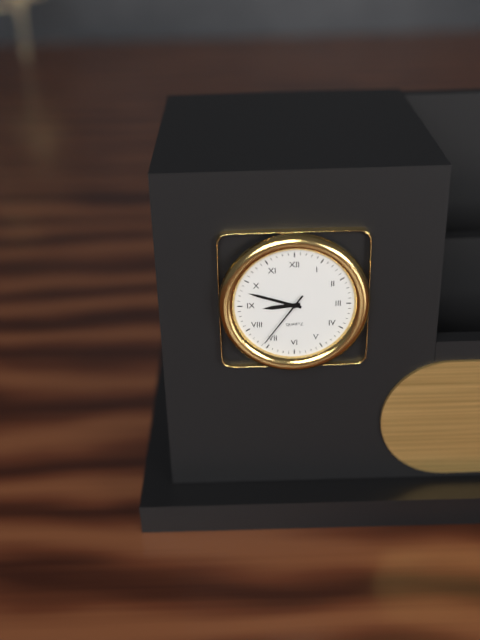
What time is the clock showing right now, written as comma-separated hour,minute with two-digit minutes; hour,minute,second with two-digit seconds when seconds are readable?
8,48,36
